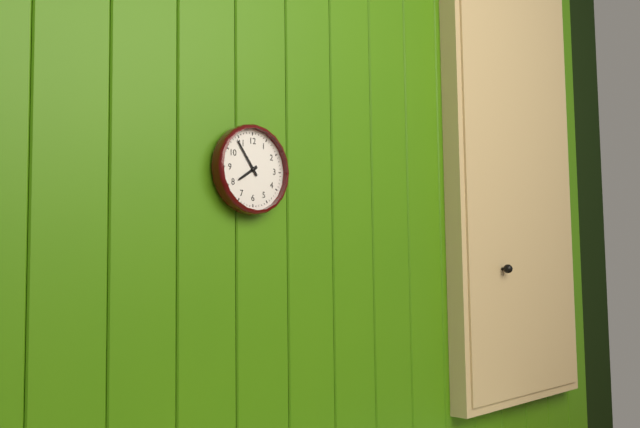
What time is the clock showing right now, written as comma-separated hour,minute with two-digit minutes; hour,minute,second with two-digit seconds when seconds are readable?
7,54
